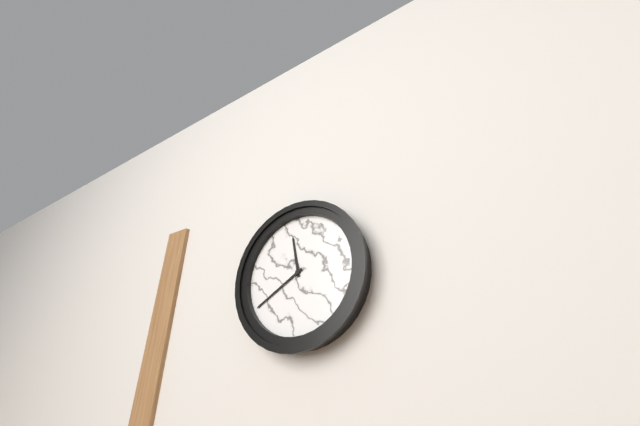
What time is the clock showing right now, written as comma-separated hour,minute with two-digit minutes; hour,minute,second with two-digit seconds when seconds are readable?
11,40
